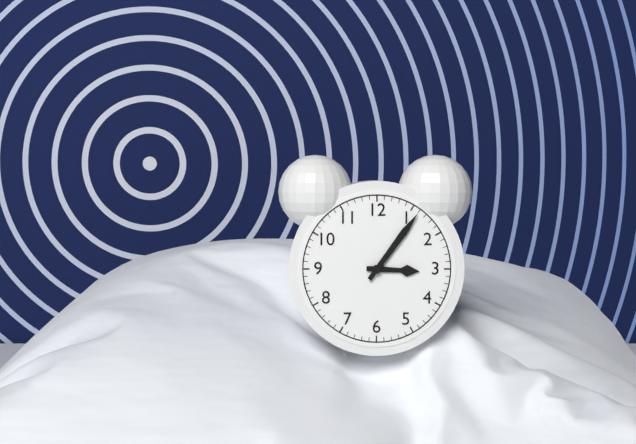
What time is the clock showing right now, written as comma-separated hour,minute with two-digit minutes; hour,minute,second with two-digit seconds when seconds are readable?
3,06
